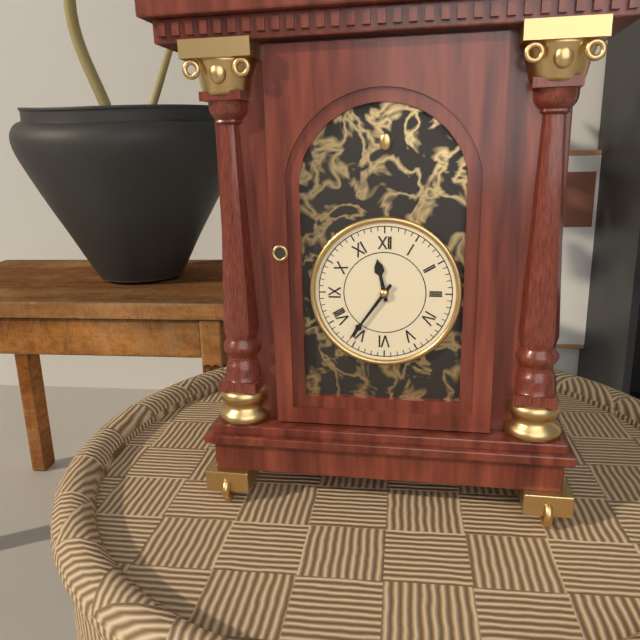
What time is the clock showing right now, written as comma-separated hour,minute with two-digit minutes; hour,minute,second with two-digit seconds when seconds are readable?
11,36
